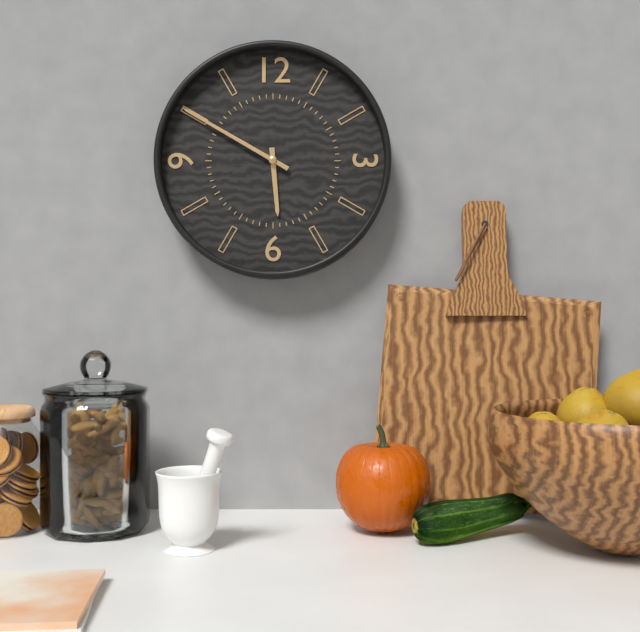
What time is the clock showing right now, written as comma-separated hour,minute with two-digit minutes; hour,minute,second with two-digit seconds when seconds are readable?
5,50
